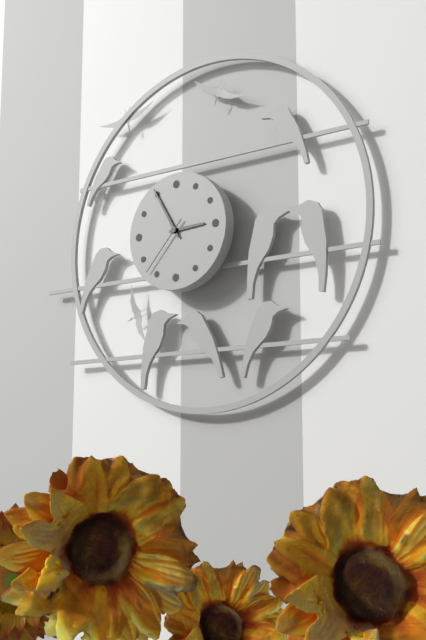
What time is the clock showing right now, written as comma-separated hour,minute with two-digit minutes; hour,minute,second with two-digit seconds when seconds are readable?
2,55,37
